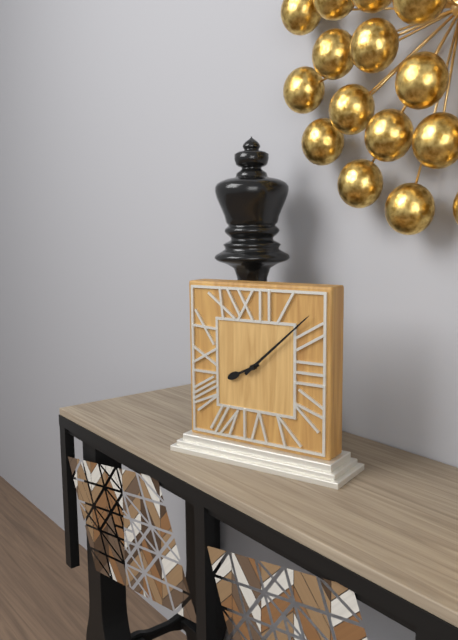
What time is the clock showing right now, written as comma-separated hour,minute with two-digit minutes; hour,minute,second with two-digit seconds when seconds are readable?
8,08
